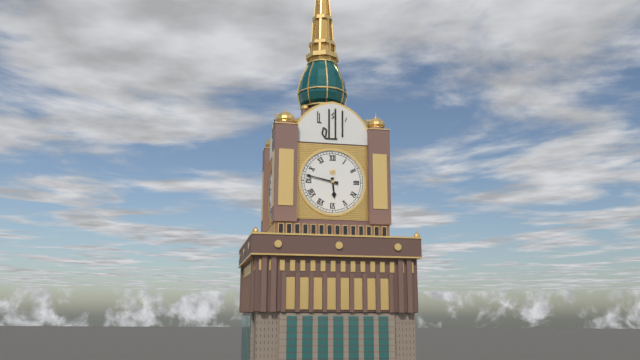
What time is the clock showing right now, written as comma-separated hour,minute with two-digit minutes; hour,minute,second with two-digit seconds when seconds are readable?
5,47
